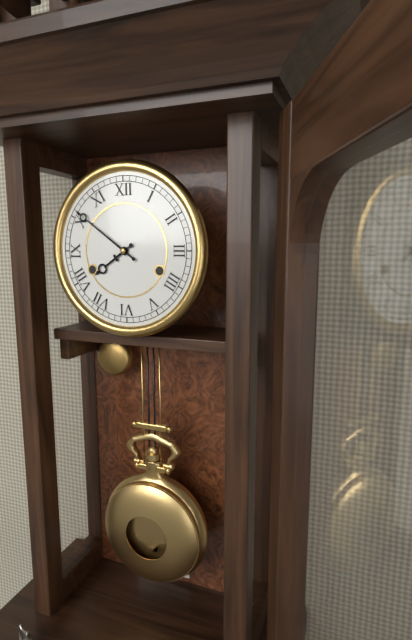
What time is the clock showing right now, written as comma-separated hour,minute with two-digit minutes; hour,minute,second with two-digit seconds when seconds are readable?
7,51
